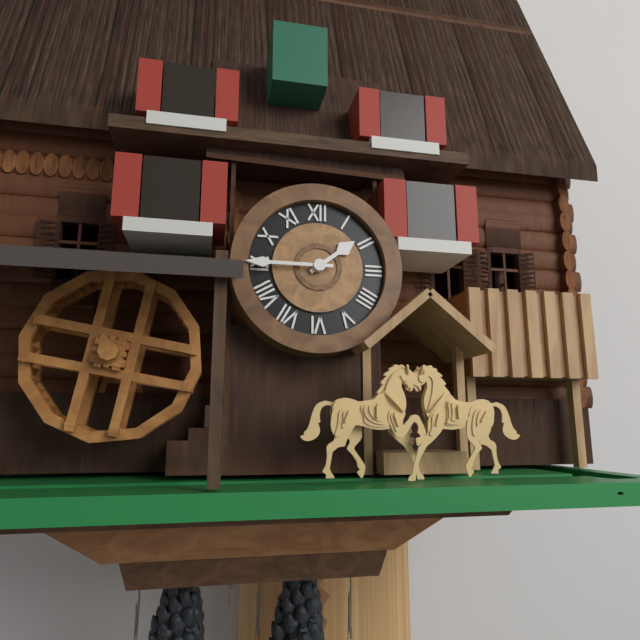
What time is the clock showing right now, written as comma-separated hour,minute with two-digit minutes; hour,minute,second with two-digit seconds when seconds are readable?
1,45
